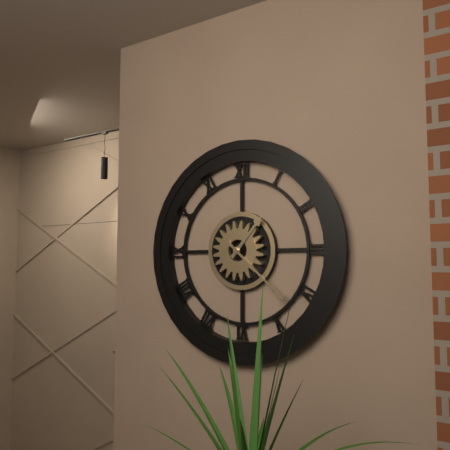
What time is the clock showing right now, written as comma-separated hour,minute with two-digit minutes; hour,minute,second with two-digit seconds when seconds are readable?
1,22
